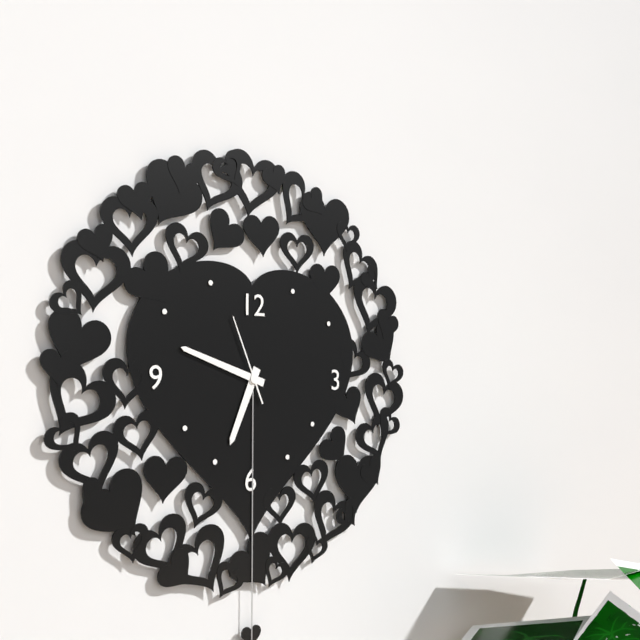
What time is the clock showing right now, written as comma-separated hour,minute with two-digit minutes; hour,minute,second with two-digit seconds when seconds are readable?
6,48,56
